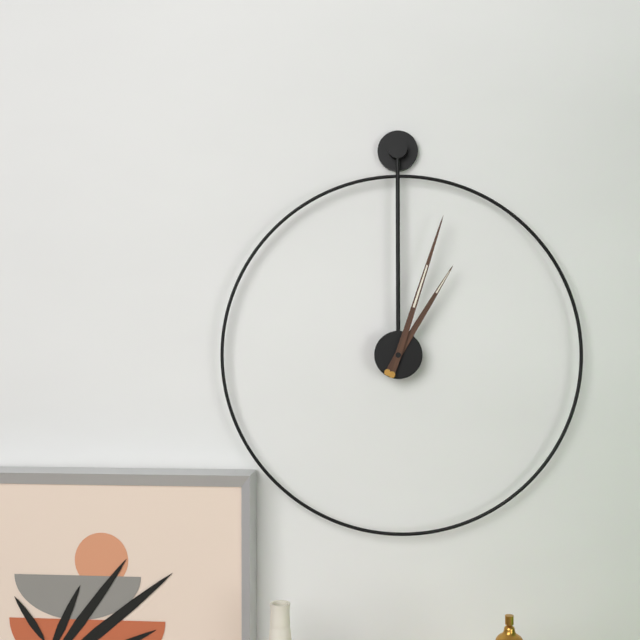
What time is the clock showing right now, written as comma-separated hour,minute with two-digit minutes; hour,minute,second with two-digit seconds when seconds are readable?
1,03
